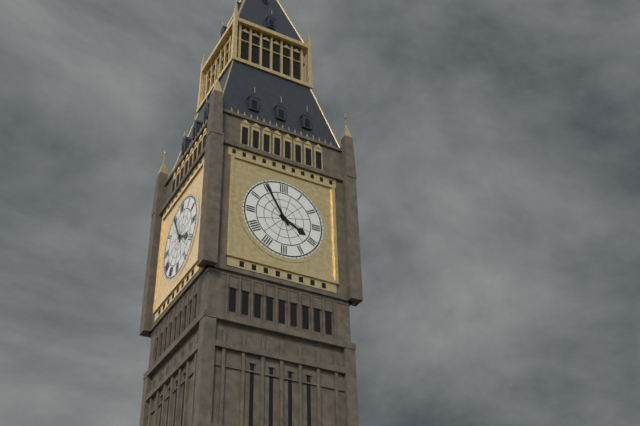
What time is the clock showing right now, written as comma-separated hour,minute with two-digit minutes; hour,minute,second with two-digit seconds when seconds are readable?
3,55
